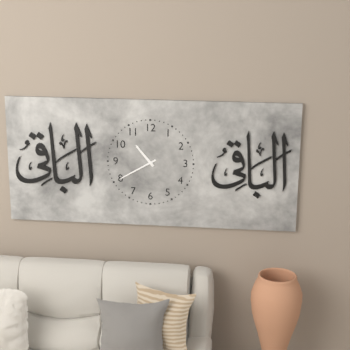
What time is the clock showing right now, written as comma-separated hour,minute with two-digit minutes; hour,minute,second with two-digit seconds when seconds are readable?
10,40
